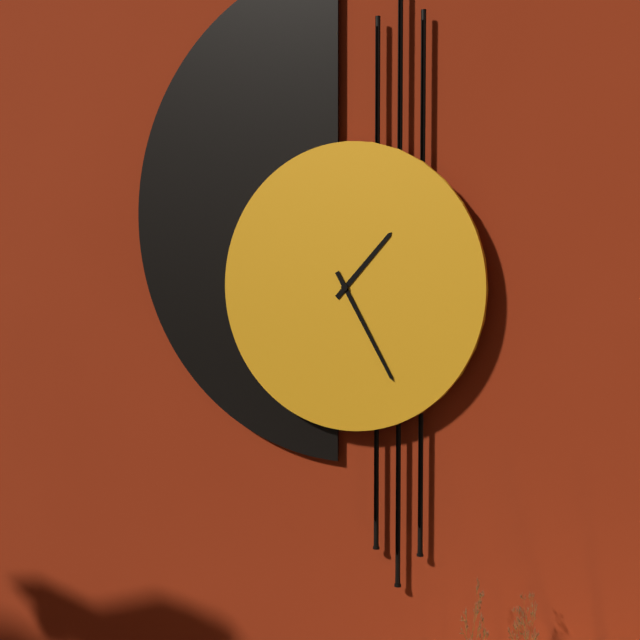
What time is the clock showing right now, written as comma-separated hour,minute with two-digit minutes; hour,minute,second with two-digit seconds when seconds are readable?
1,25
